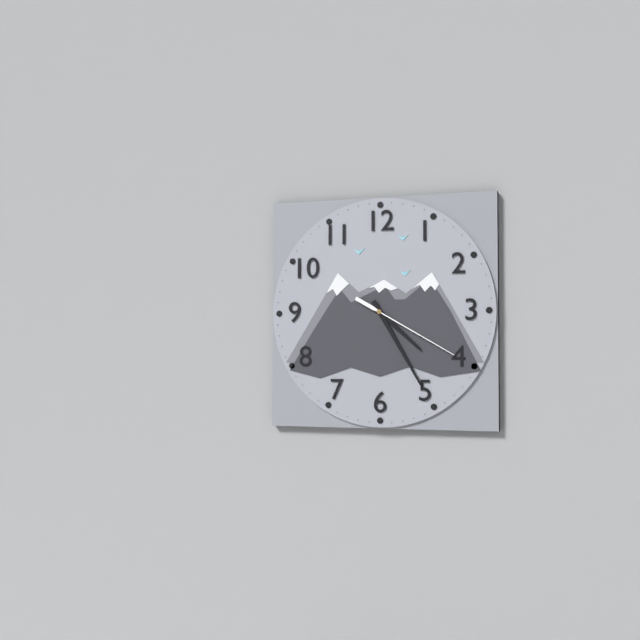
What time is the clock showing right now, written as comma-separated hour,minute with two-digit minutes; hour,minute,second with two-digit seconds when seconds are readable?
4,25,20
